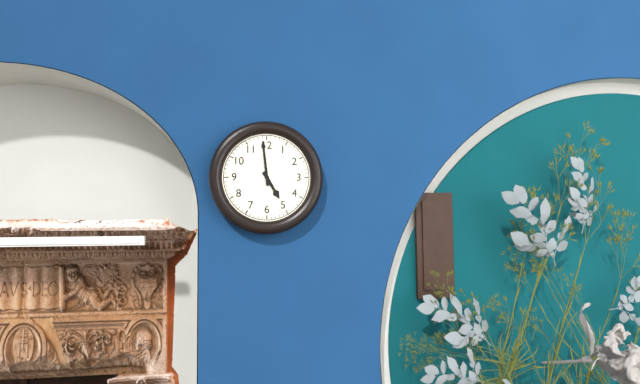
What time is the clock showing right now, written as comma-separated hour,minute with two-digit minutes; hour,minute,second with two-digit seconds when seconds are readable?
4,59
